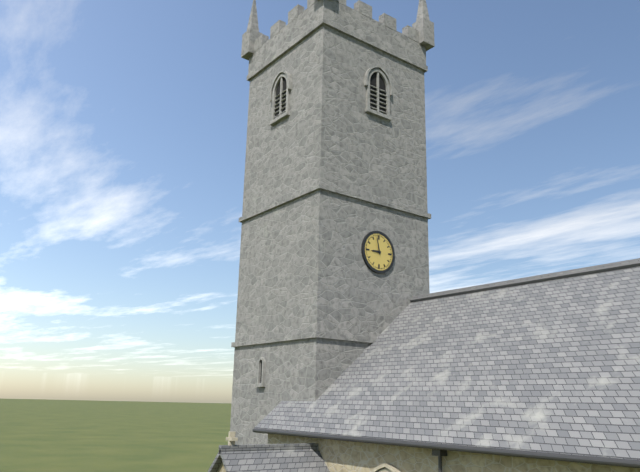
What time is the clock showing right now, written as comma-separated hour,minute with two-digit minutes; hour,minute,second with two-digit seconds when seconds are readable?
8,58
